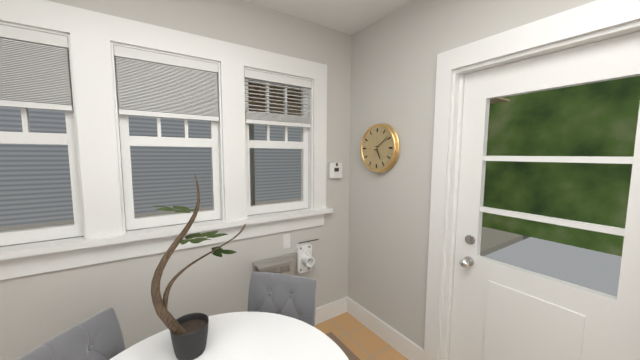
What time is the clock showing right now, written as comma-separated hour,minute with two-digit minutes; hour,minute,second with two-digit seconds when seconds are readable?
5,09
